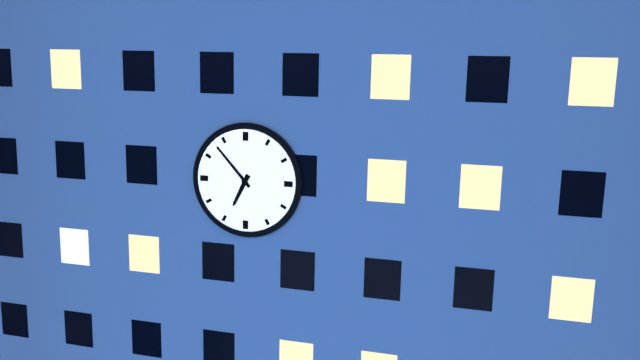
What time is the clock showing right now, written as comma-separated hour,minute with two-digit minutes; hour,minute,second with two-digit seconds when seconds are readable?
6,53
